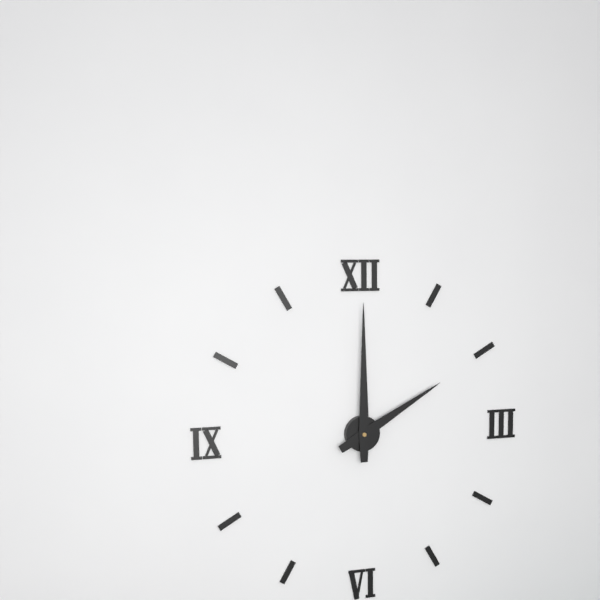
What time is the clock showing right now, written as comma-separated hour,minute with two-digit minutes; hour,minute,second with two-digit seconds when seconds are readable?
2,00
